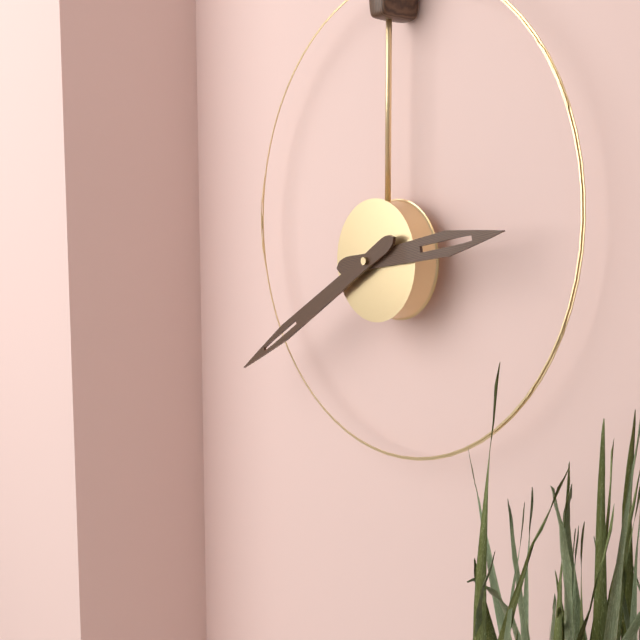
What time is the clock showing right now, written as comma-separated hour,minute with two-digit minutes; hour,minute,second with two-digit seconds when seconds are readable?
2,40
